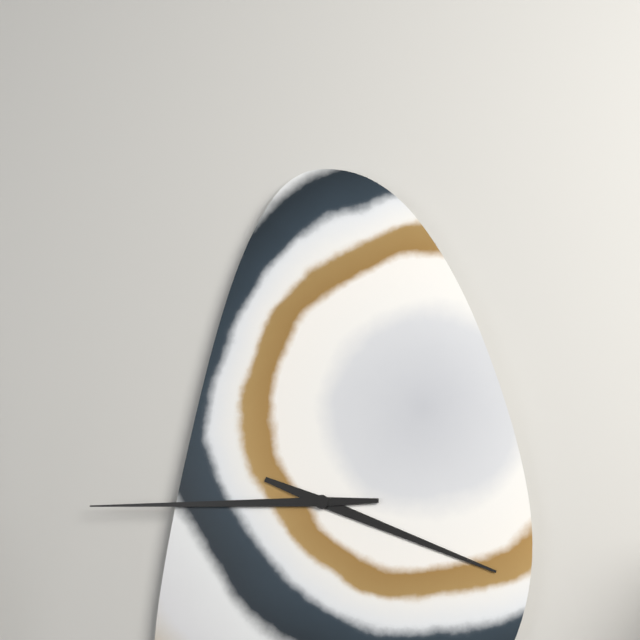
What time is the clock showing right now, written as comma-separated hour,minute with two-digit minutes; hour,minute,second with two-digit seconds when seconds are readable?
3,45
